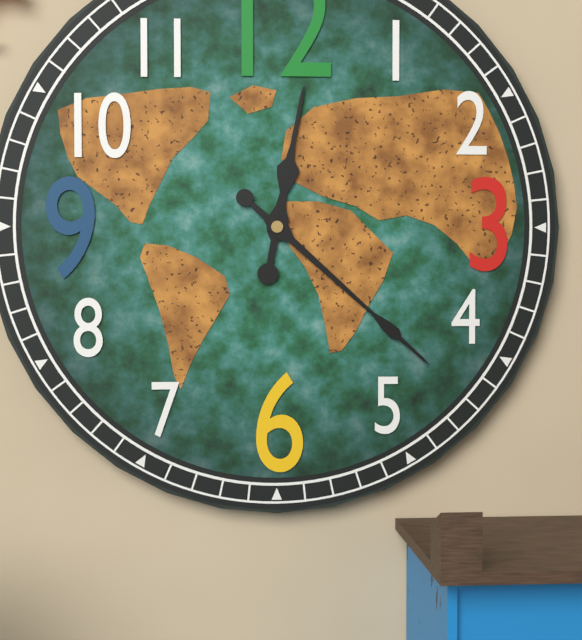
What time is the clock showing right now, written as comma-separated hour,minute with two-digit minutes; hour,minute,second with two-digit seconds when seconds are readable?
12,22
